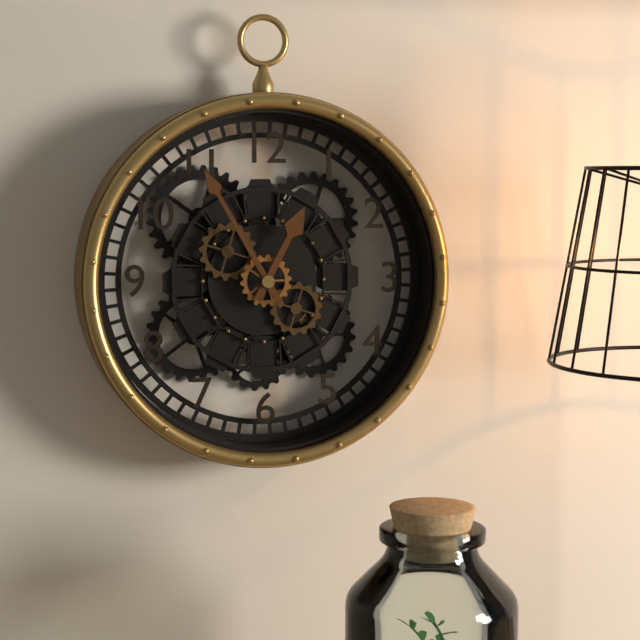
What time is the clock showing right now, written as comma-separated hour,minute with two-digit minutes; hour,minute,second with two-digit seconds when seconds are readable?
12,55
